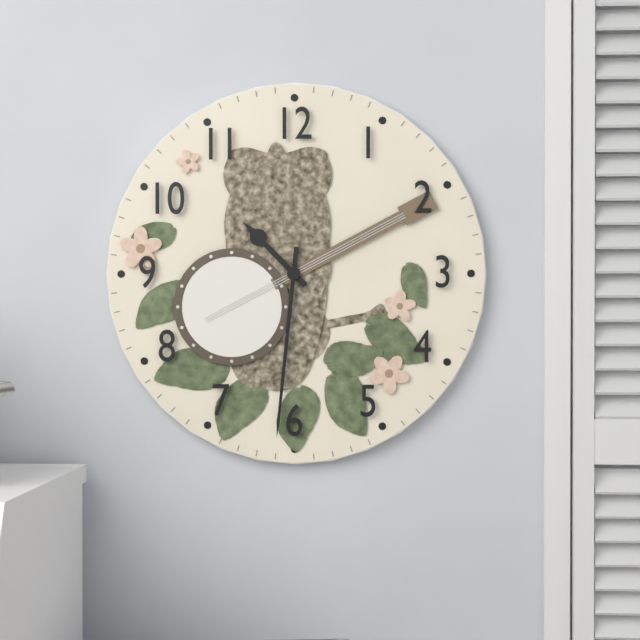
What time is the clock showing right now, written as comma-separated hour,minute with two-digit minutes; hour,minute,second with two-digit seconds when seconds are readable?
10,31
